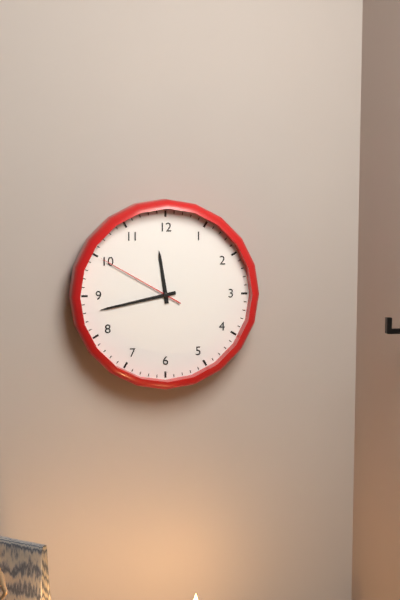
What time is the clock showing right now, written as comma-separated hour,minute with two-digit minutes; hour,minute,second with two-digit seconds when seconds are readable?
11,43,50
